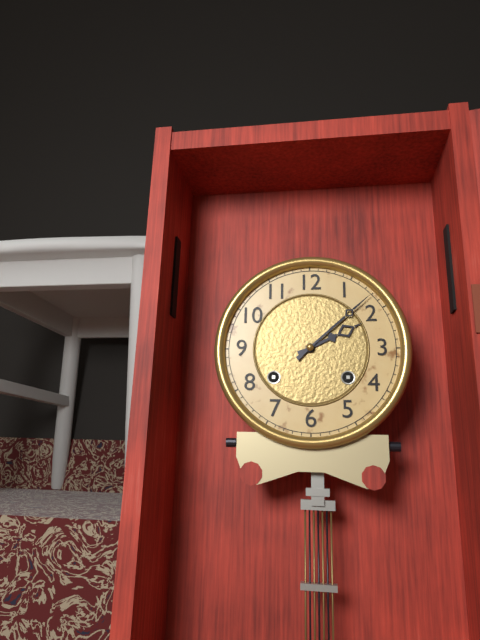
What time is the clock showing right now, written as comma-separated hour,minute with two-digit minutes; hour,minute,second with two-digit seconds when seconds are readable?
2,08
